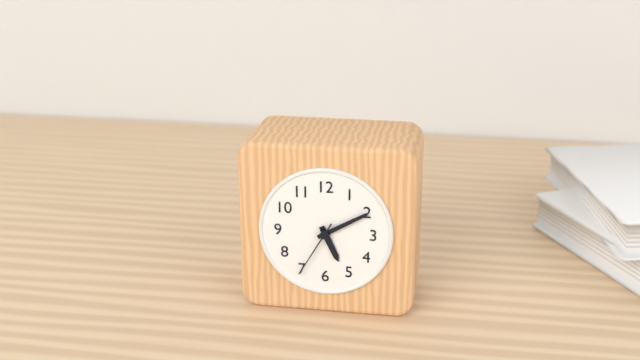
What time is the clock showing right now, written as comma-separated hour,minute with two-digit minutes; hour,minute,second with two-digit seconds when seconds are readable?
5,10,35
